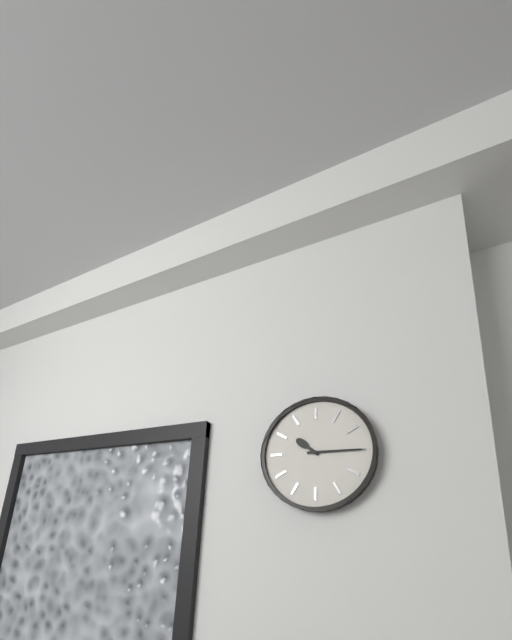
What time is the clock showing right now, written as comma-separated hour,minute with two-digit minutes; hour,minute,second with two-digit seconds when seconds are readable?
10,15
